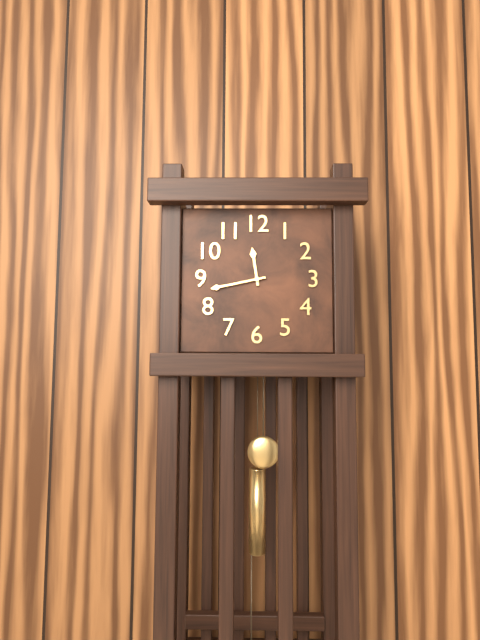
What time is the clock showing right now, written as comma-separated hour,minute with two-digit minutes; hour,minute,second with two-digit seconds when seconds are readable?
11,43
